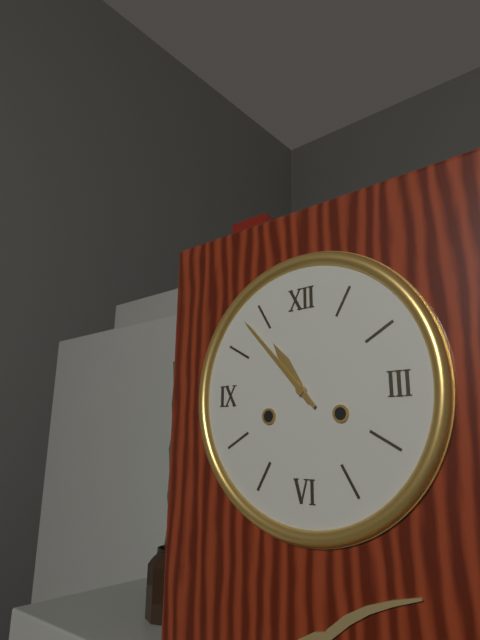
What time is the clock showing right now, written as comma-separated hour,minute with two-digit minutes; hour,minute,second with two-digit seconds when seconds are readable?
10,53
